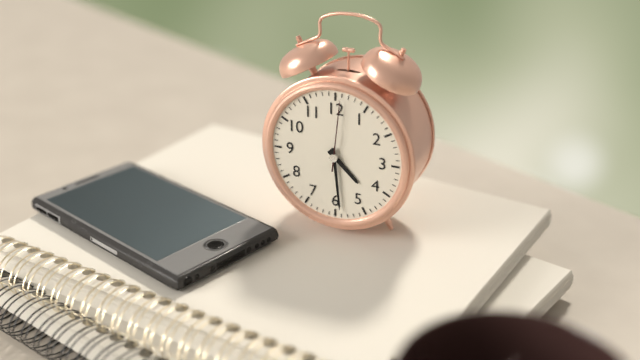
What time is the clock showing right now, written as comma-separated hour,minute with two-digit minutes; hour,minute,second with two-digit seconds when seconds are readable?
4,29,01
